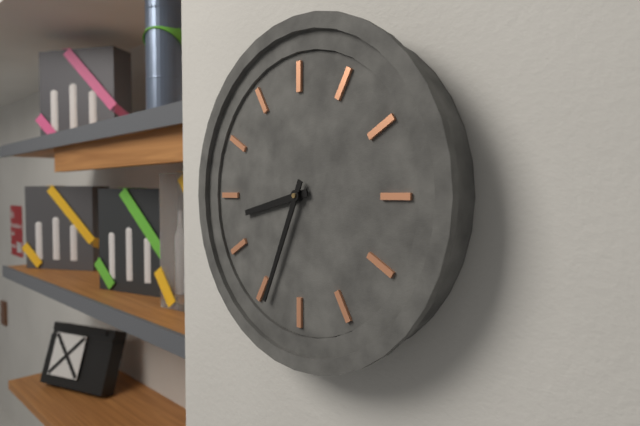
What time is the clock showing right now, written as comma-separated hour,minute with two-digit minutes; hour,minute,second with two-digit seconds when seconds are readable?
8,34
